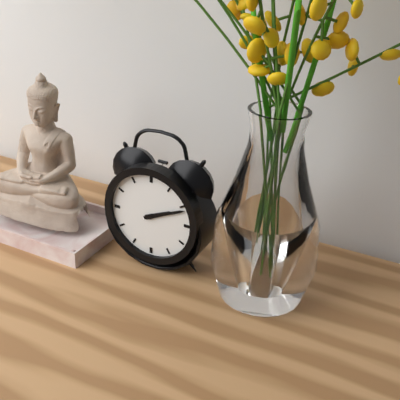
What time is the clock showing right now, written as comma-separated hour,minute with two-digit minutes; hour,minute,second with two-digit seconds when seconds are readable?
2,11
